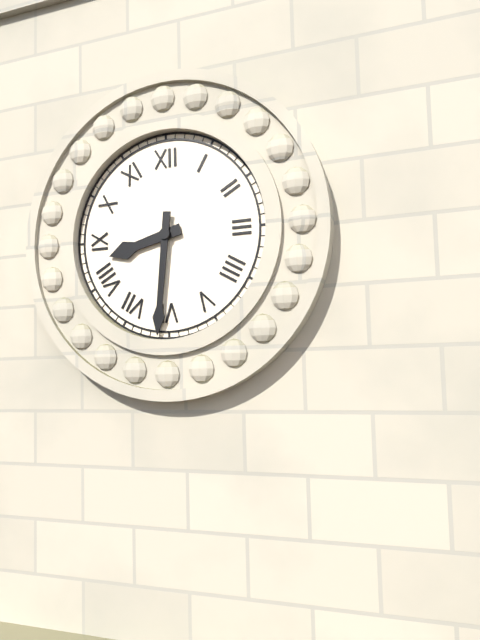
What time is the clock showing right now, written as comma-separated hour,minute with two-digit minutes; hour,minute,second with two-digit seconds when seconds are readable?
8,31
